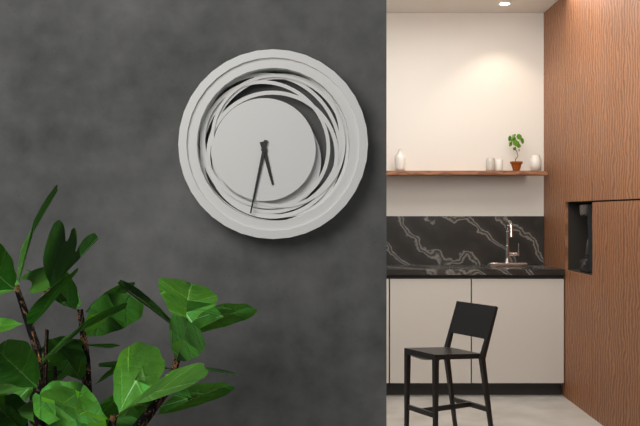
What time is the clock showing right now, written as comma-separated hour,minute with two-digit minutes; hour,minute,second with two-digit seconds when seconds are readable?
5,32
